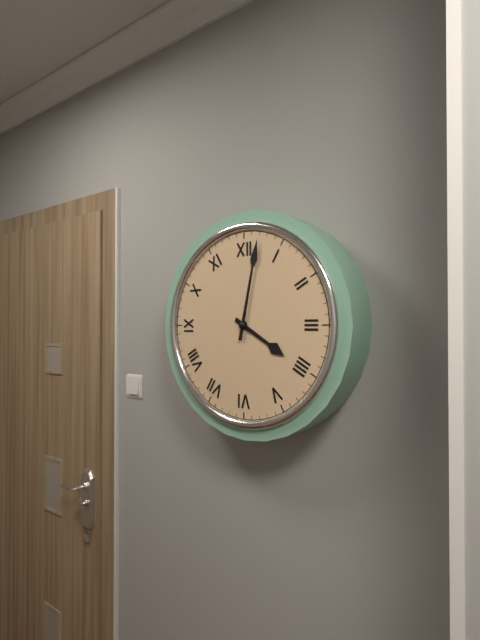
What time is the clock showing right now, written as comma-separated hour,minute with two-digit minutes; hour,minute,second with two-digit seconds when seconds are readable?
4,02
